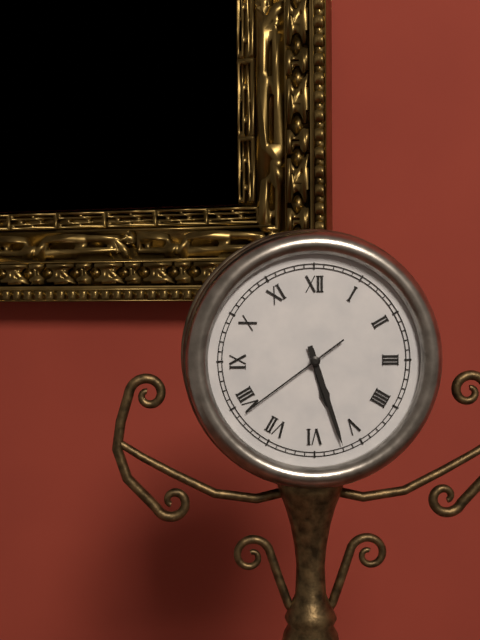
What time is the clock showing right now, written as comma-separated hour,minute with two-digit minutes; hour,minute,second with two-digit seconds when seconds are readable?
5,27,39
